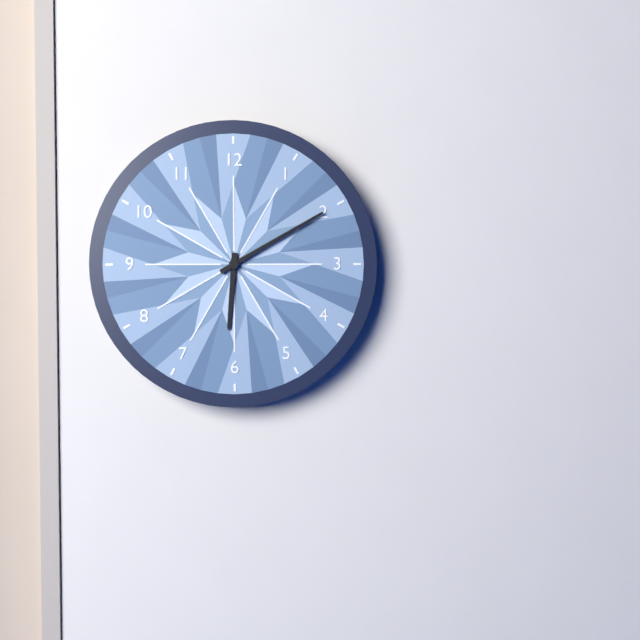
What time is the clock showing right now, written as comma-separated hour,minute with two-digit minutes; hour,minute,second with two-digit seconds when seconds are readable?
6,10
